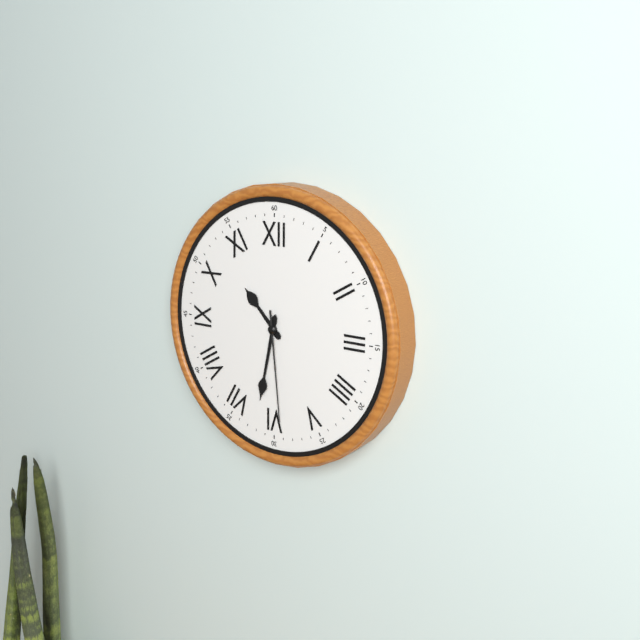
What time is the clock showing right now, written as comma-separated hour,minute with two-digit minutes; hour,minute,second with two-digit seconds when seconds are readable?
10,32,29
